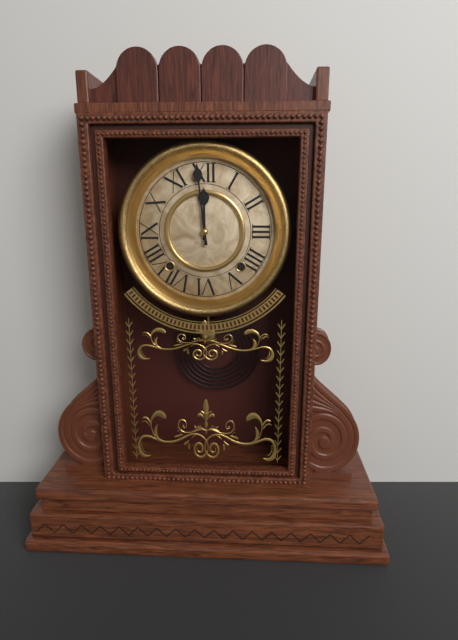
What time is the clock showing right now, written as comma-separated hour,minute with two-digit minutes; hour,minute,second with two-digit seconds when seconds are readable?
11,59
